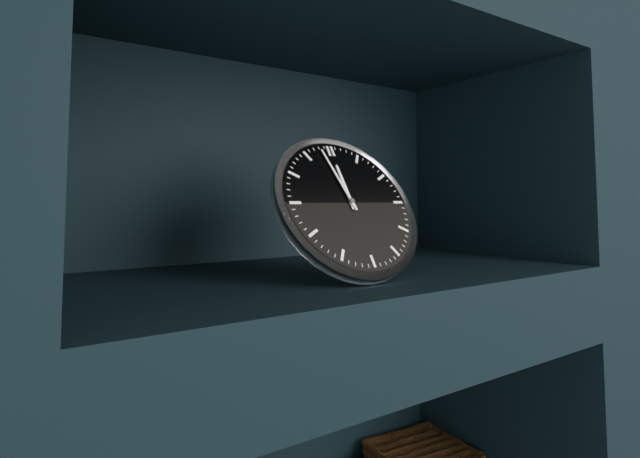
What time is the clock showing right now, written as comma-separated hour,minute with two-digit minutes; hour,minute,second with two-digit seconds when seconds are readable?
11,58
